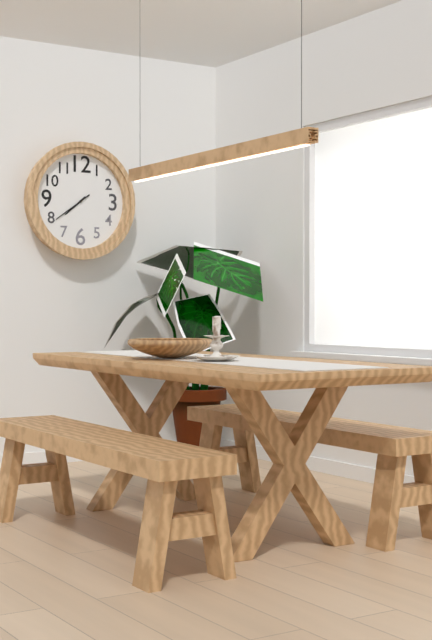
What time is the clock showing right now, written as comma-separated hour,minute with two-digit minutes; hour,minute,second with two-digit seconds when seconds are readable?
7,39
